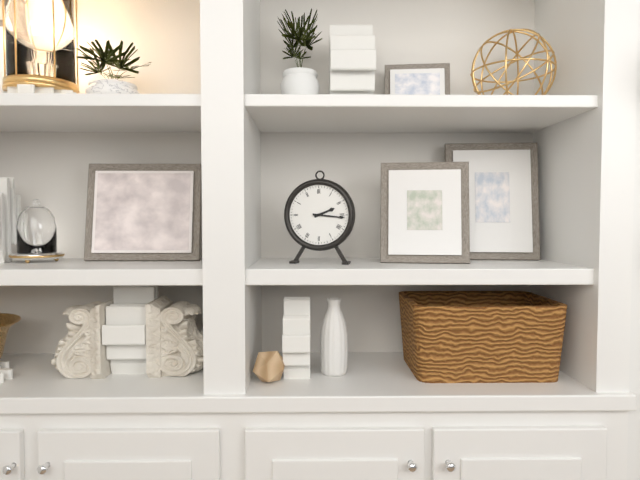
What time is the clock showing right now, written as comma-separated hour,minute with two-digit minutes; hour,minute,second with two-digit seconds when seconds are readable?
2,16
